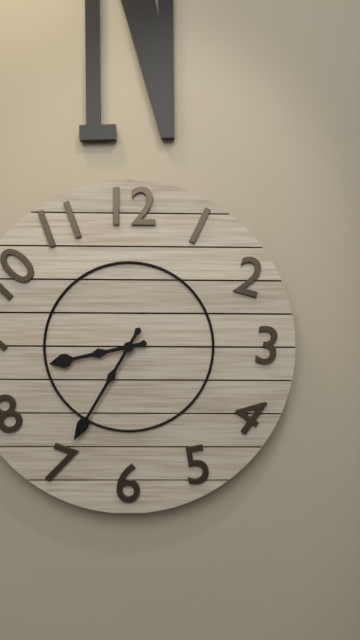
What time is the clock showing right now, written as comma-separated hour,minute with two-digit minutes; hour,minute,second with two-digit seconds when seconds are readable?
8,35
